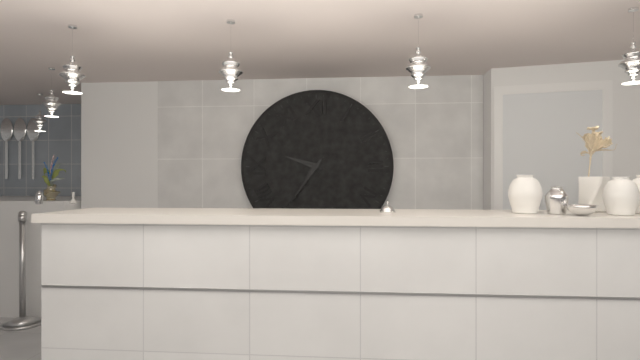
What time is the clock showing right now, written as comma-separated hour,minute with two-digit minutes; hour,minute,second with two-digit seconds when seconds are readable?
9,36
